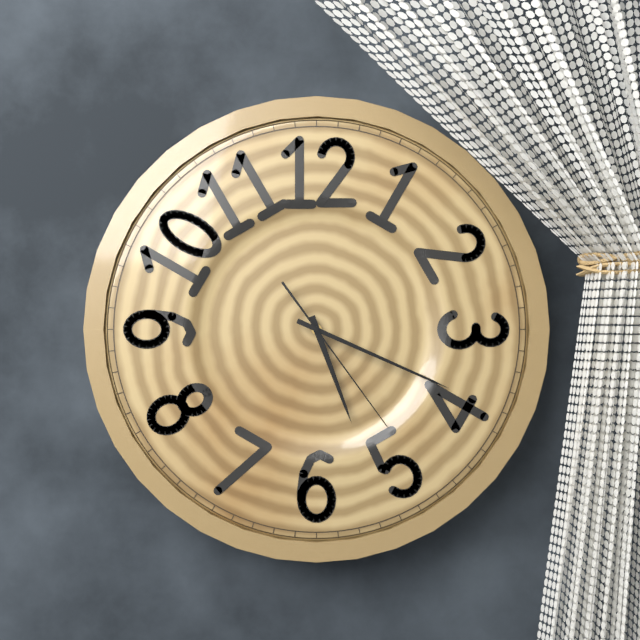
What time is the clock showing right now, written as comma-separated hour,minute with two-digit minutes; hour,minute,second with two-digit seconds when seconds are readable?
5,19,24
